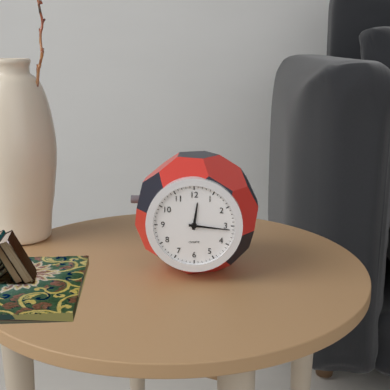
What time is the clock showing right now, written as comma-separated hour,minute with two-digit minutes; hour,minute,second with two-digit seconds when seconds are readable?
12,16
